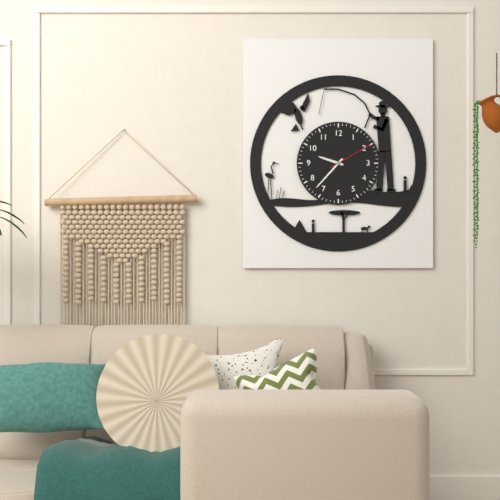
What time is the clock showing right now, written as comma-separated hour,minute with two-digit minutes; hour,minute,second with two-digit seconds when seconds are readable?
9,37
